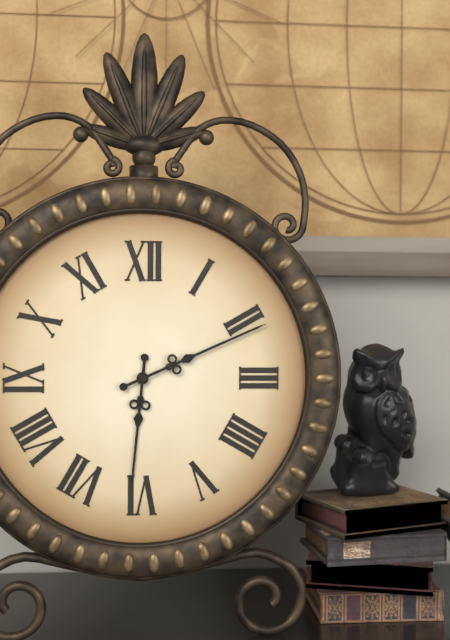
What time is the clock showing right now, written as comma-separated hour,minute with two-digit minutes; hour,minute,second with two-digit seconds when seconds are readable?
6,11
